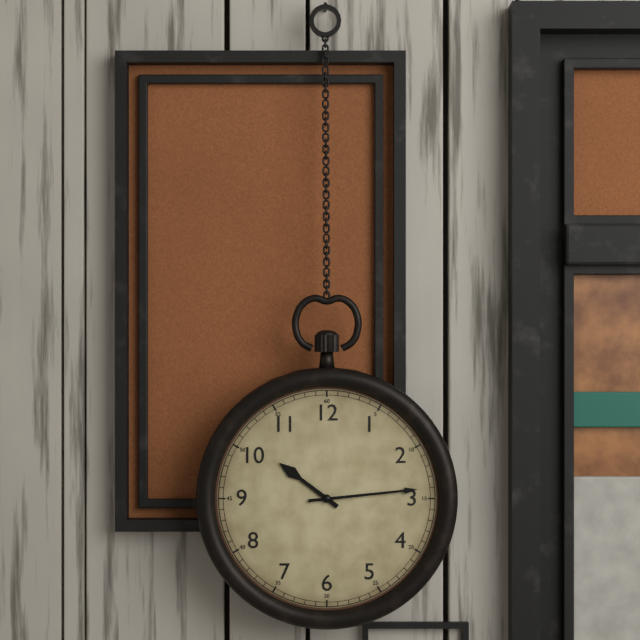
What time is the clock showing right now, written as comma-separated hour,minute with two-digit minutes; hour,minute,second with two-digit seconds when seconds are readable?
10,14
